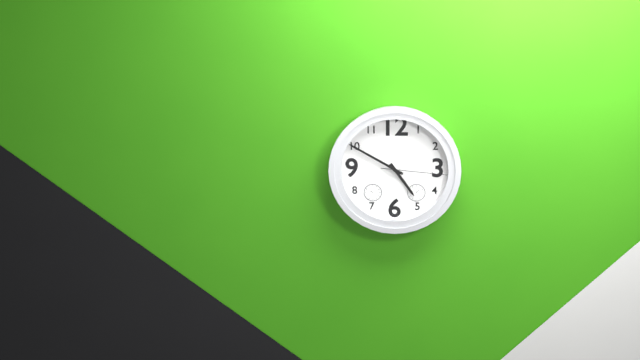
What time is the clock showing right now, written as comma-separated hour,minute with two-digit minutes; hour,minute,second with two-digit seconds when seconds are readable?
4,50,16
